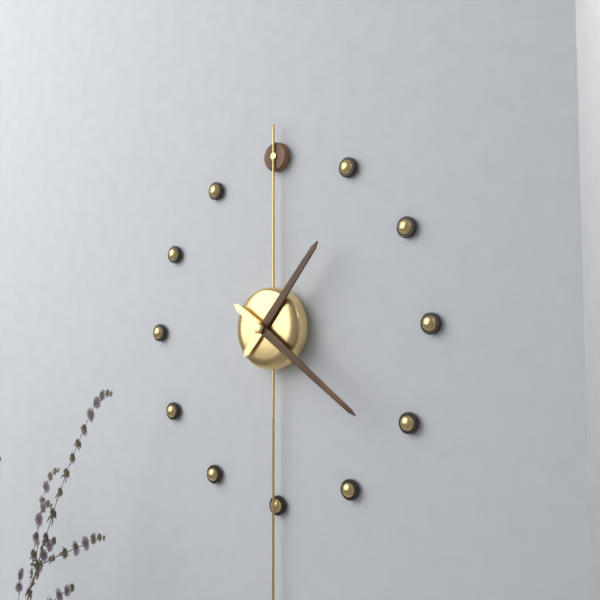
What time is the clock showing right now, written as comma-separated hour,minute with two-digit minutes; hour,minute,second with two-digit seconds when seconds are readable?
1,21
